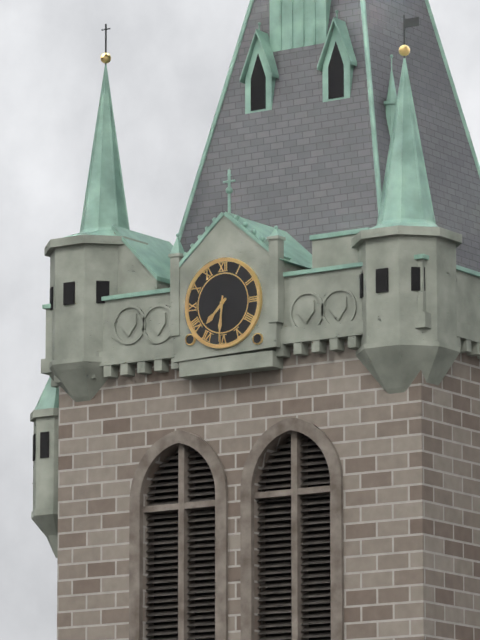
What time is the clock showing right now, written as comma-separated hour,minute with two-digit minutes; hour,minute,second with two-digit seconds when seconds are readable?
7,31
